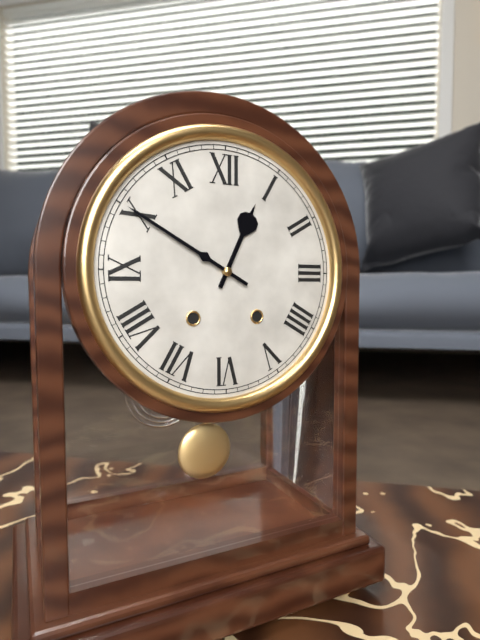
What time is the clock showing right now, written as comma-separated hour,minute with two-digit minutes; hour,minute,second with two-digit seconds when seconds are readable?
12,50
